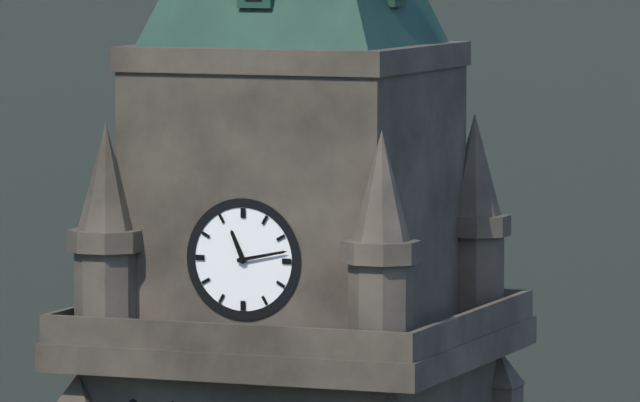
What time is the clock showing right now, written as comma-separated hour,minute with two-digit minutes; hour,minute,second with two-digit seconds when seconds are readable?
11,13
